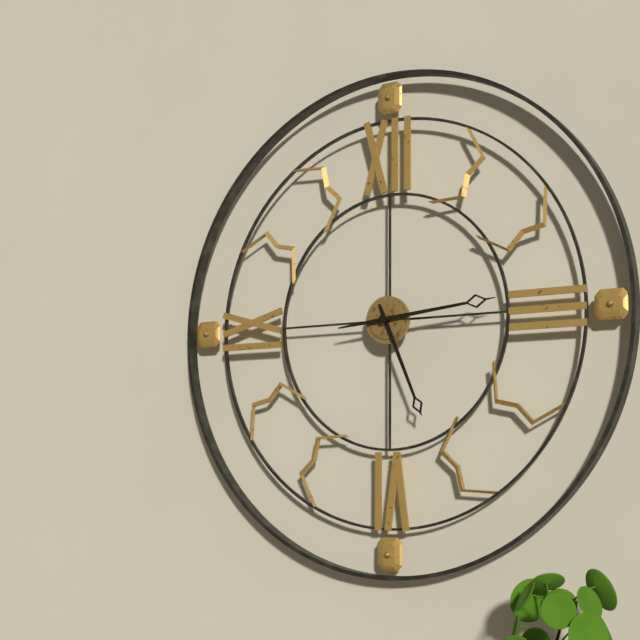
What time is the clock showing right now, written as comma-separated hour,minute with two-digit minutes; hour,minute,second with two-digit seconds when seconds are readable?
5,14
